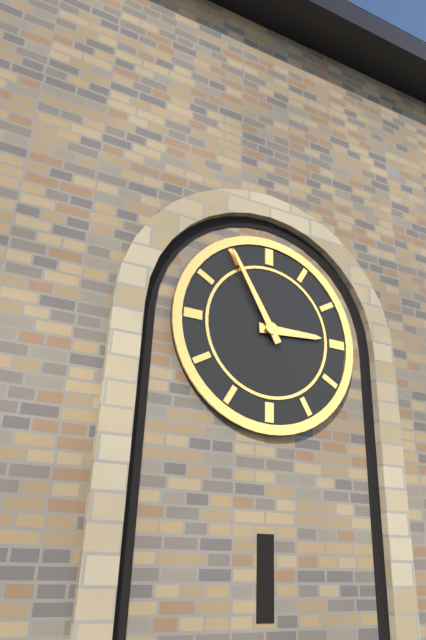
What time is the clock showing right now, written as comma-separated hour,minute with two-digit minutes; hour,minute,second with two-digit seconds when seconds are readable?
2,55
